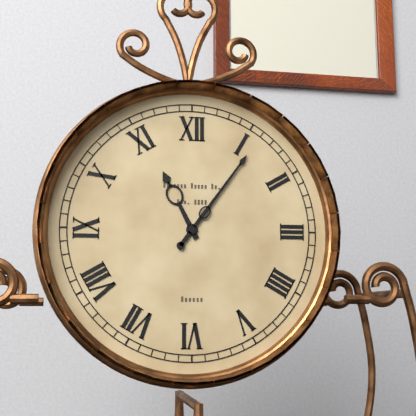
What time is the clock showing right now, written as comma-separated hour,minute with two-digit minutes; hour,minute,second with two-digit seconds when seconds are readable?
11,06
